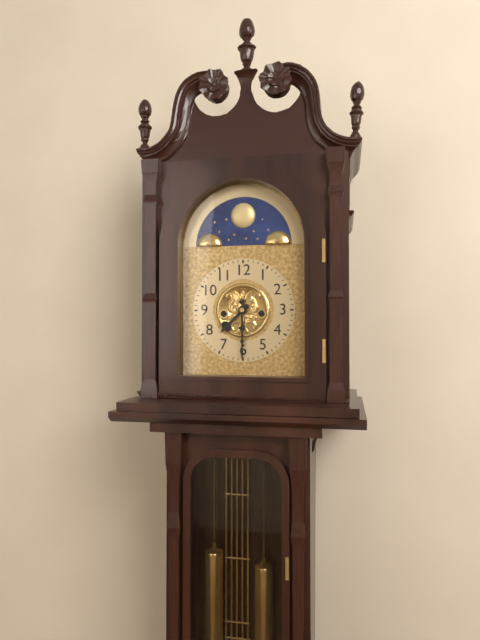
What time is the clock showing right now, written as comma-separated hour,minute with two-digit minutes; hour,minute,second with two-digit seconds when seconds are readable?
7,30
